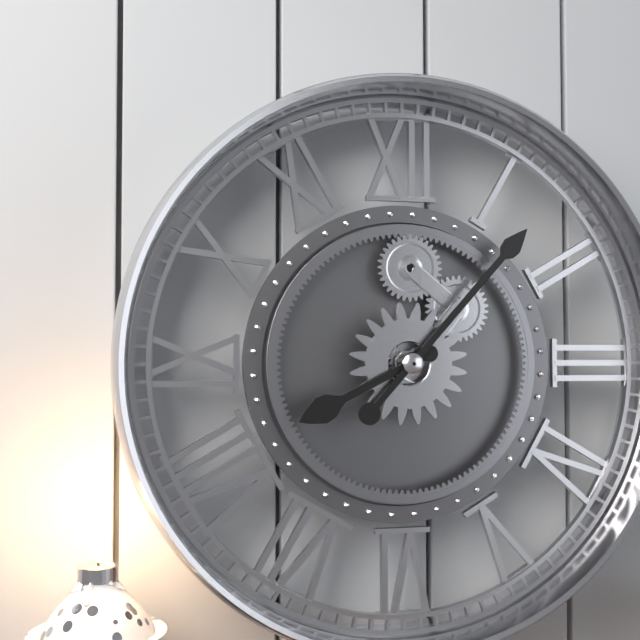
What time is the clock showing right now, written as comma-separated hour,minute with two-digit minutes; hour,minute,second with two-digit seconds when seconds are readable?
8,07
